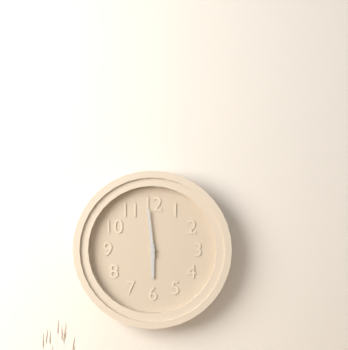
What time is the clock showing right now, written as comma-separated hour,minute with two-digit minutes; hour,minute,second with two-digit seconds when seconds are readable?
5,59
